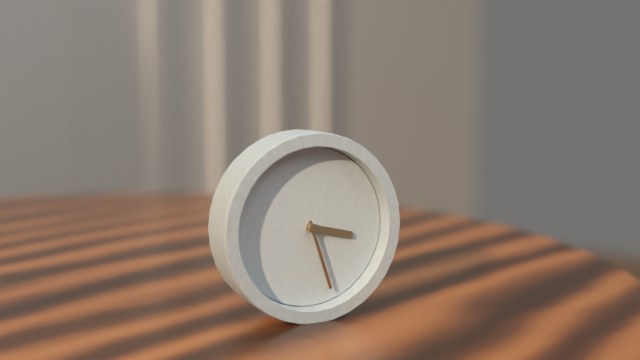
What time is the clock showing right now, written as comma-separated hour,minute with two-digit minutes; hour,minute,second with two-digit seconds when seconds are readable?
3,27
